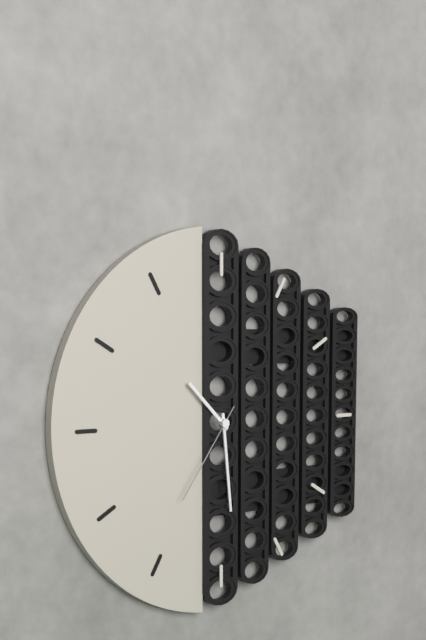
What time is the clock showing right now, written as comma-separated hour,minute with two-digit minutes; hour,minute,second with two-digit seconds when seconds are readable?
10,29,36
